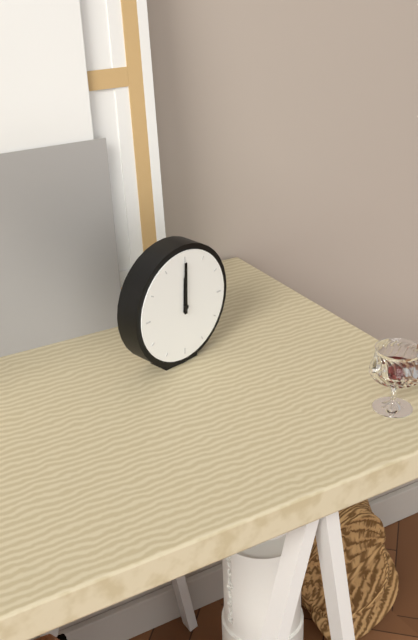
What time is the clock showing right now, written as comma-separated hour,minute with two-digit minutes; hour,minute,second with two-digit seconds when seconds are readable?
12,00
